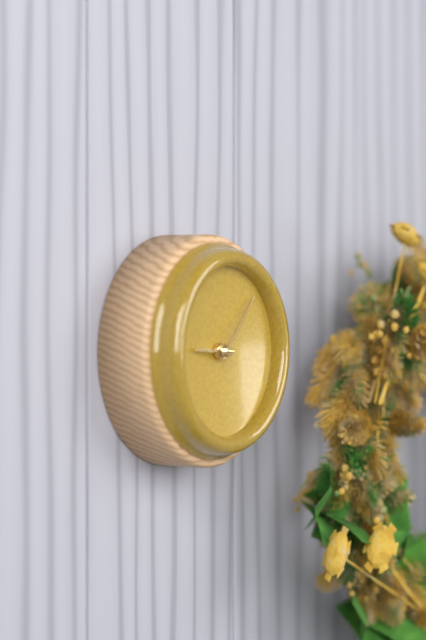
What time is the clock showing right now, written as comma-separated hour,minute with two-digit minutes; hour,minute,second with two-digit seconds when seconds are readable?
9,07
